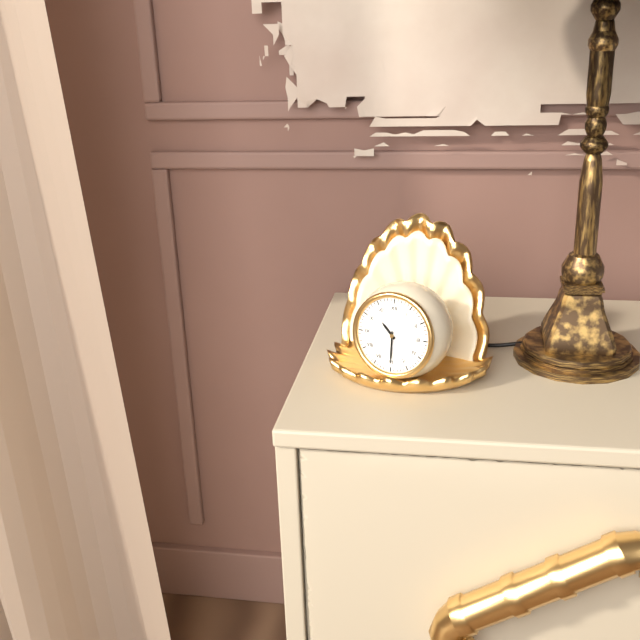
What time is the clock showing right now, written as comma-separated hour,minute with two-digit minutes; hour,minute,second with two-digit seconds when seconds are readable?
10,30
